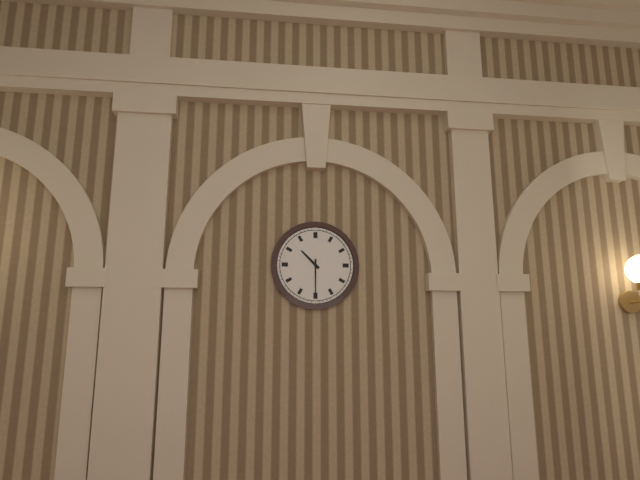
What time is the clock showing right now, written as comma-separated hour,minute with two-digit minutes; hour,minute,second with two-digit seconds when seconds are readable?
10,30
